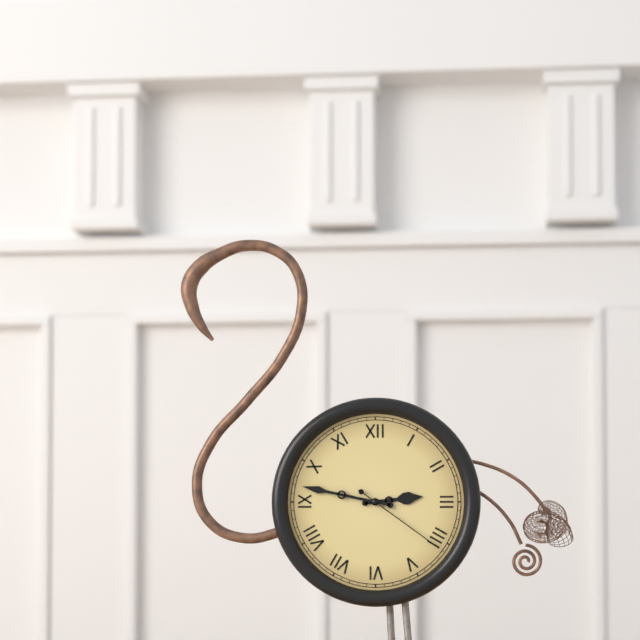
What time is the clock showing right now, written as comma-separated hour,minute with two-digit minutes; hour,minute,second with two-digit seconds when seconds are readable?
2,47,21
